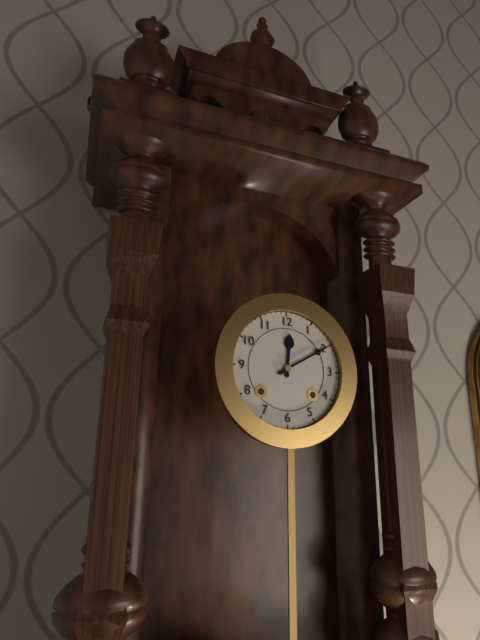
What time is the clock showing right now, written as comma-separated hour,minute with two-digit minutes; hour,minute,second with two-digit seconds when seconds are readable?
12,10
